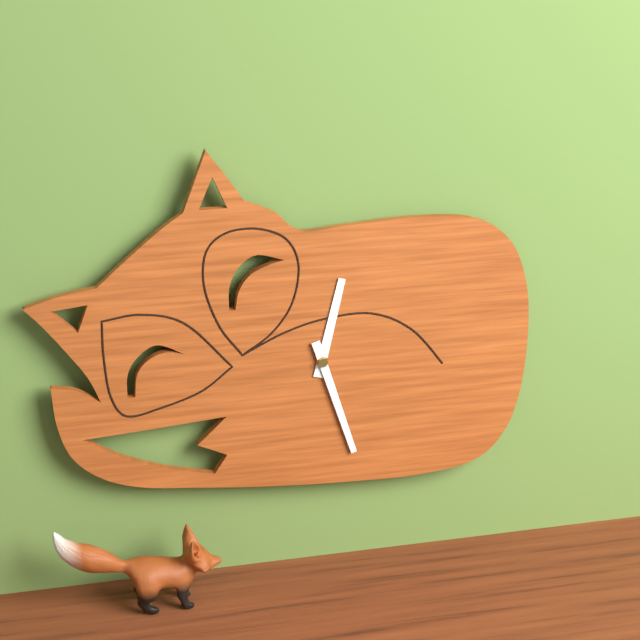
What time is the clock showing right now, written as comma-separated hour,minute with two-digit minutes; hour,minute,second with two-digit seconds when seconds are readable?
12,27
